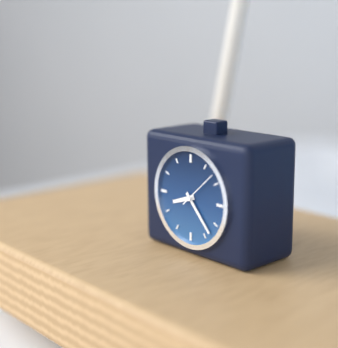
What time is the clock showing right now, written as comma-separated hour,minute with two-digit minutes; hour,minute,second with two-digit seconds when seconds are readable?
8,23
